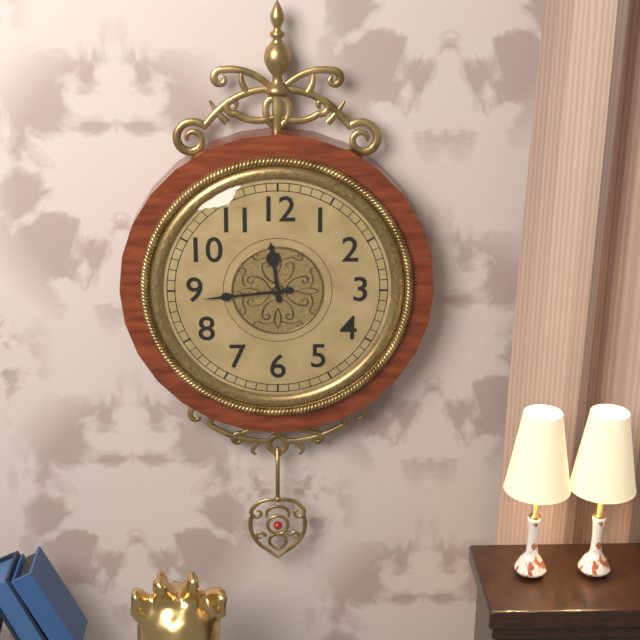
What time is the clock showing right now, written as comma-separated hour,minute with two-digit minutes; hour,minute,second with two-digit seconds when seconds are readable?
11,44
